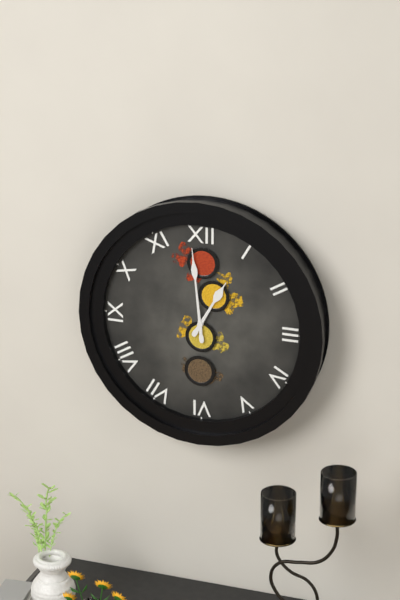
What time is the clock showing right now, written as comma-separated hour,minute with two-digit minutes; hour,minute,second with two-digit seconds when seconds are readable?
12,59
